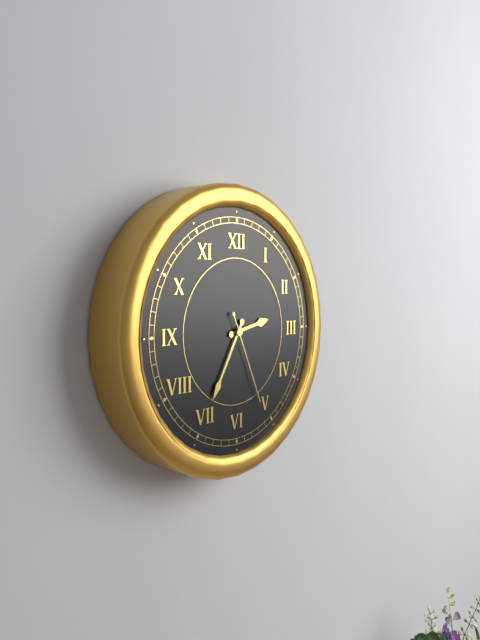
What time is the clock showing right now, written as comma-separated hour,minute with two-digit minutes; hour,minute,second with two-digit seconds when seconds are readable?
2,35,26
